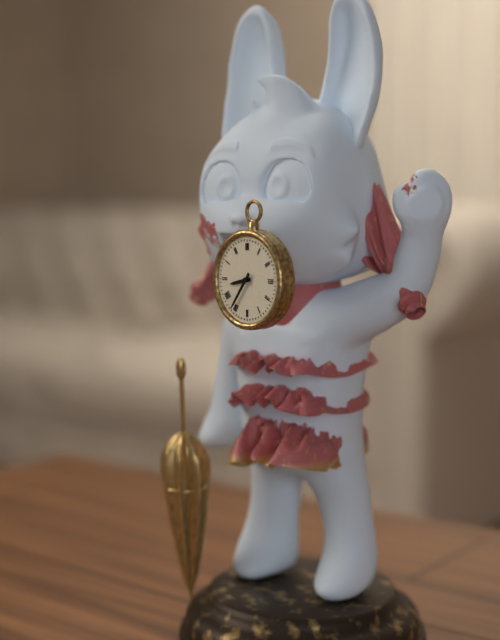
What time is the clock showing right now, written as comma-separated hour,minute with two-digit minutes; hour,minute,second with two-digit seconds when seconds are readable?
8,36
